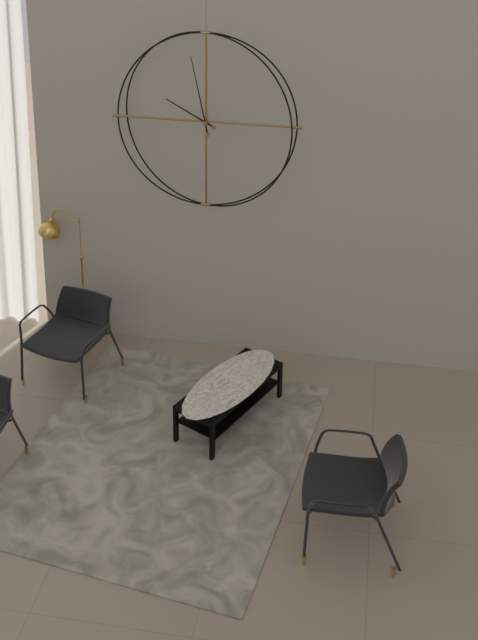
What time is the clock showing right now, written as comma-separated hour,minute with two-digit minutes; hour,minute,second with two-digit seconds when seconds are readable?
9,58
